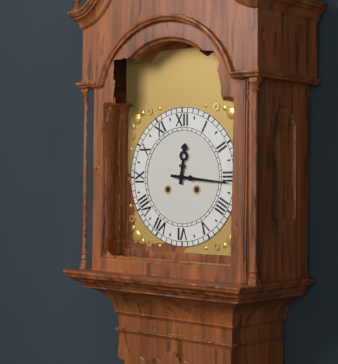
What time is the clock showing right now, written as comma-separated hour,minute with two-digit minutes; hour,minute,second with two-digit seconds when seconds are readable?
12,16
